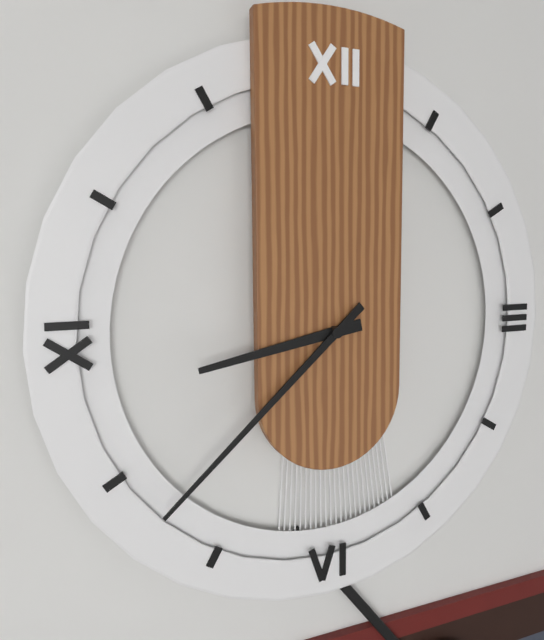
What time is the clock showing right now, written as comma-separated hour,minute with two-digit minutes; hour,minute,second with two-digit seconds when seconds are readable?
8,38
